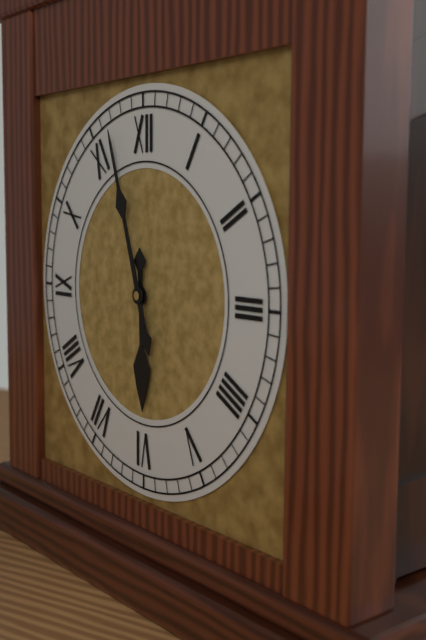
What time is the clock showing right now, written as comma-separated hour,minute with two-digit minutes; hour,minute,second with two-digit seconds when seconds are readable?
5,57
